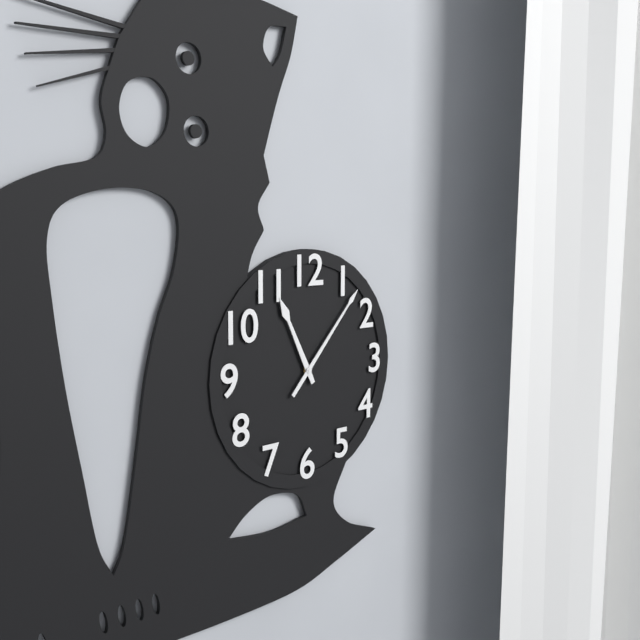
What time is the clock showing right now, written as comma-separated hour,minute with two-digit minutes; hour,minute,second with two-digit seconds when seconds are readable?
11,07
